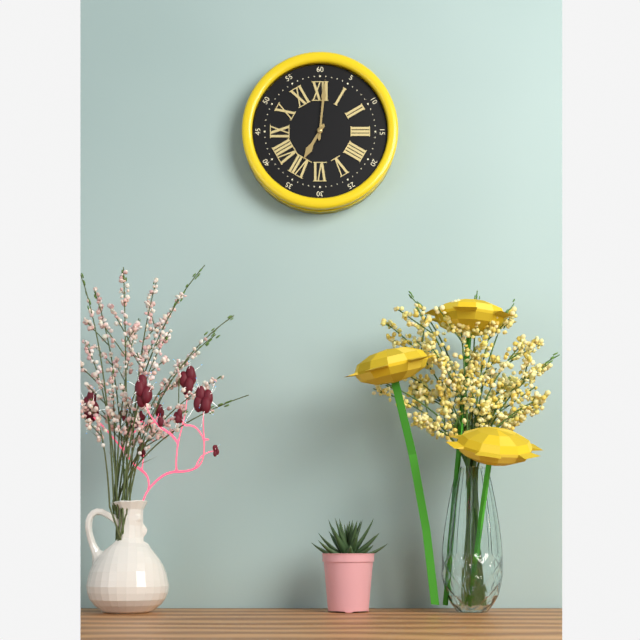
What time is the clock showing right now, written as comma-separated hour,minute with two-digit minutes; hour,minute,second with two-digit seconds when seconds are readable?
7,01
